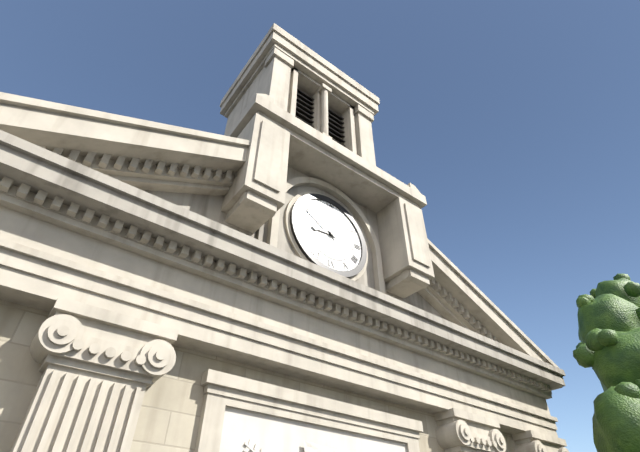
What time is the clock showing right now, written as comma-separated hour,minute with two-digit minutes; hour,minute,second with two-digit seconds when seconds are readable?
8,50
